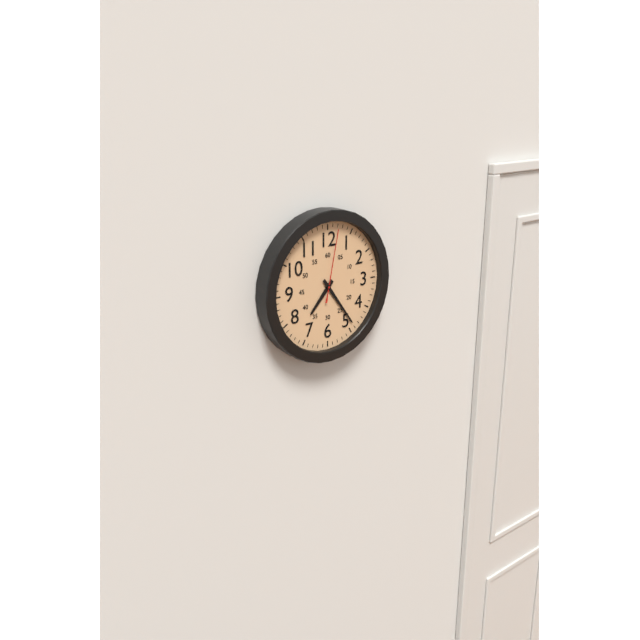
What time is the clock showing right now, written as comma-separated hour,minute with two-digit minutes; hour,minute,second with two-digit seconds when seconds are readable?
7,24,02
